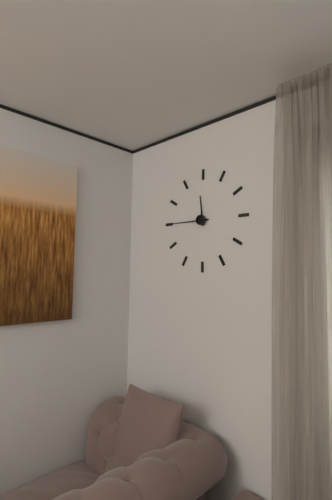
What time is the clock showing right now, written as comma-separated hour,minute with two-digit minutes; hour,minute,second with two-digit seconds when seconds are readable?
11,45
